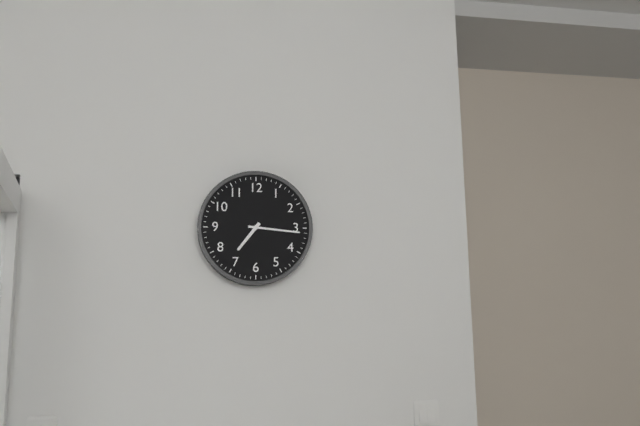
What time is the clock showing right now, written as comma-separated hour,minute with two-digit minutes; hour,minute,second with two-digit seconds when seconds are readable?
7,16
